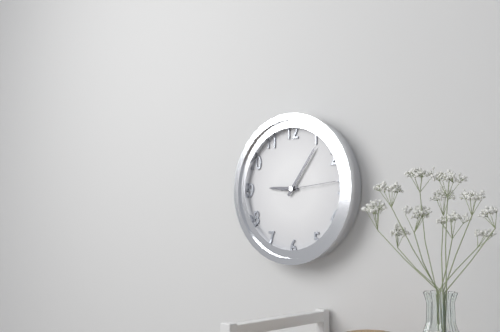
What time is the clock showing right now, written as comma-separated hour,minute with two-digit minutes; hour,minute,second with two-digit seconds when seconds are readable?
9,06,14
